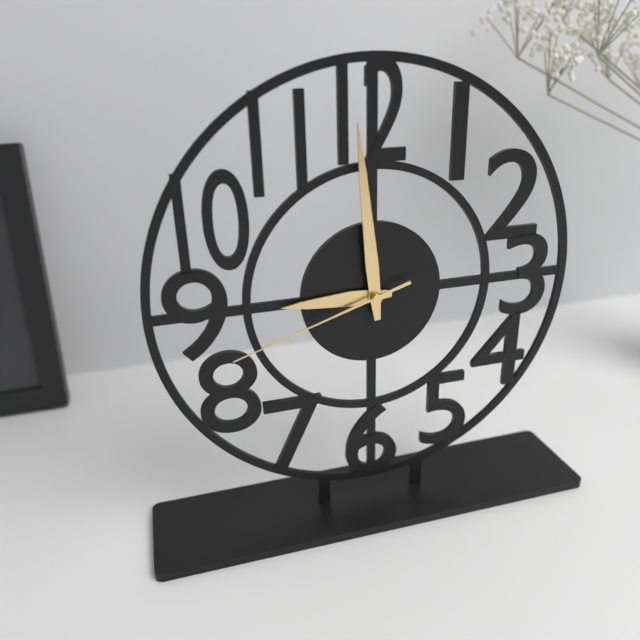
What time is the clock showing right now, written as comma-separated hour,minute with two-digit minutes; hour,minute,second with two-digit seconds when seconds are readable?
8,59,42
